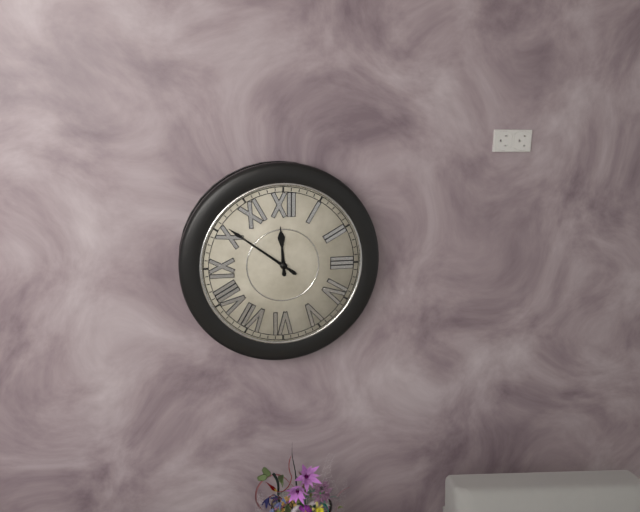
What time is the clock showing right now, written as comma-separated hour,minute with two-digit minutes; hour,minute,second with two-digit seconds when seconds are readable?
11,51
